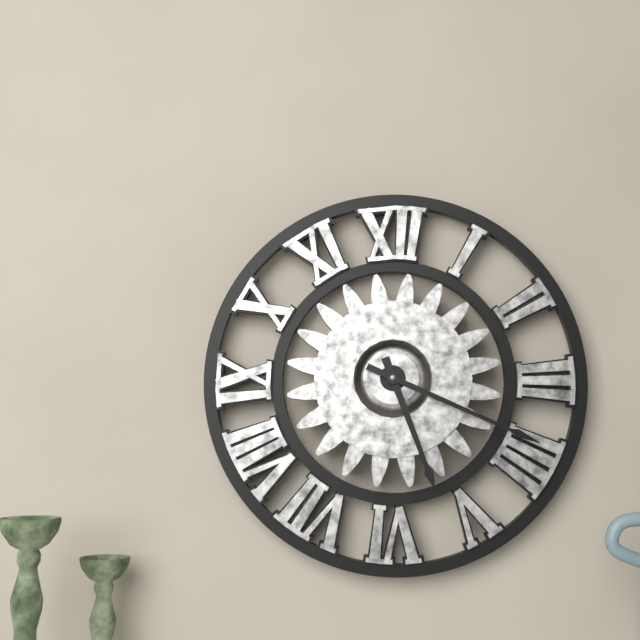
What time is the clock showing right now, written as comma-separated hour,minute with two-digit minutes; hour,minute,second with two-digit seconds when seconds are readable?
5,19
